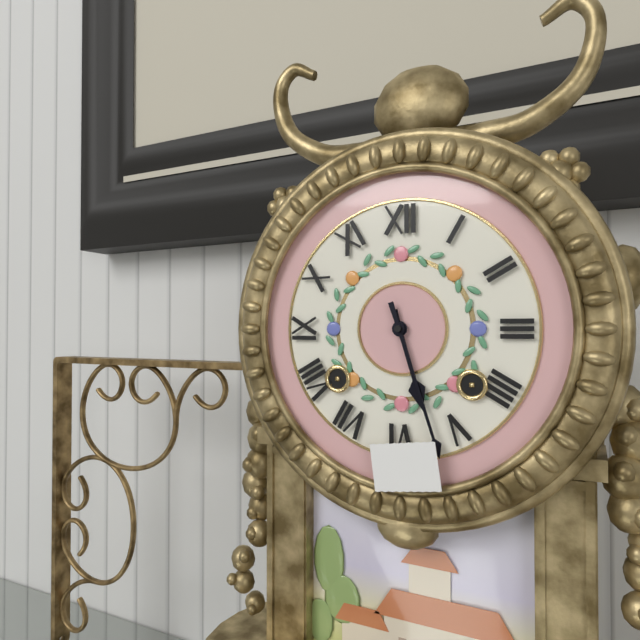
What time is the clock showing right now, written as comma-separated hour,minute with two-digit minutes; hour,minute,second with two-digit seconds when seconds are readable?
5,27
